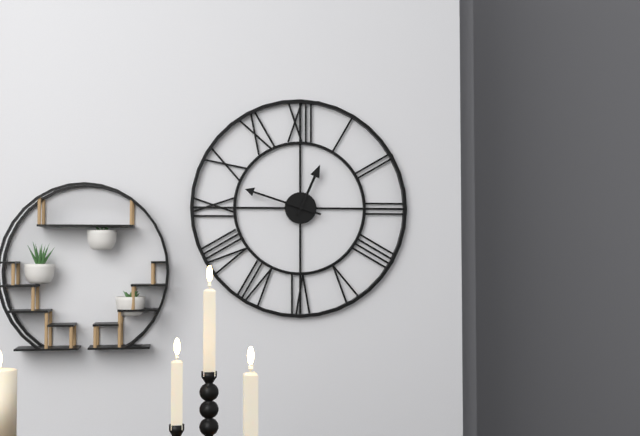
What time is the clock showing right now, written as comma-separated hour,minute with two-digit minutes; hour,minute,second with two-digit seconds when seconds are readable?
12,48
